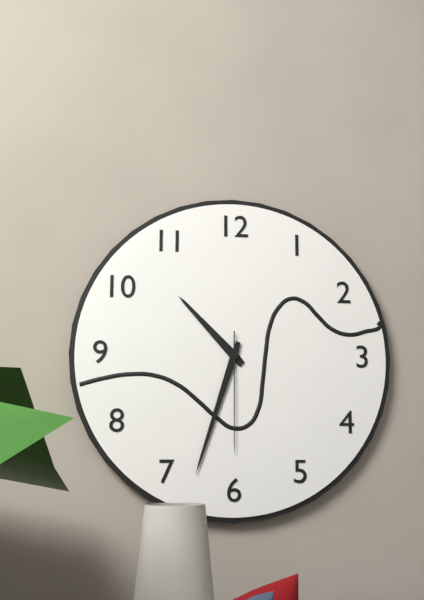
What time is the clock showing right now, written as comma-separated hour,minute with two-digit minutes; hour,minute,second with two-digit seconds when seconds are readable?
10,33,30
